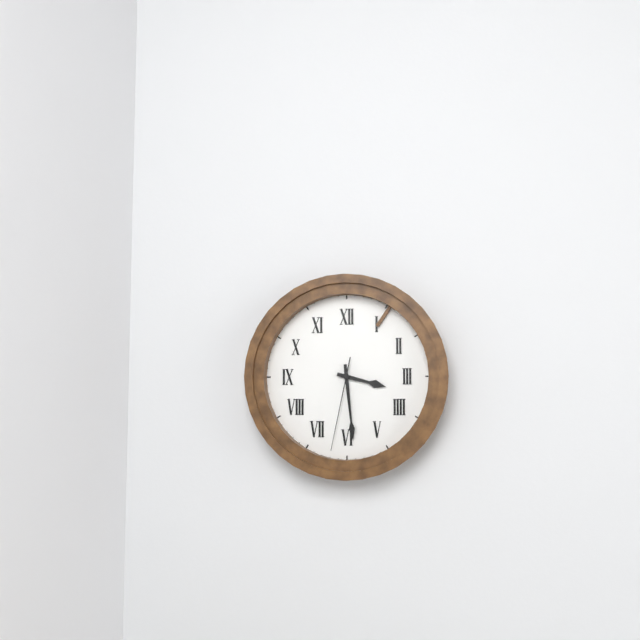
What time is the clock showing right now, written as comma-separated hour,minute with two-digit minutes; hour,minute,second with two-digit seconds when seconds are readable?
3,29,32
